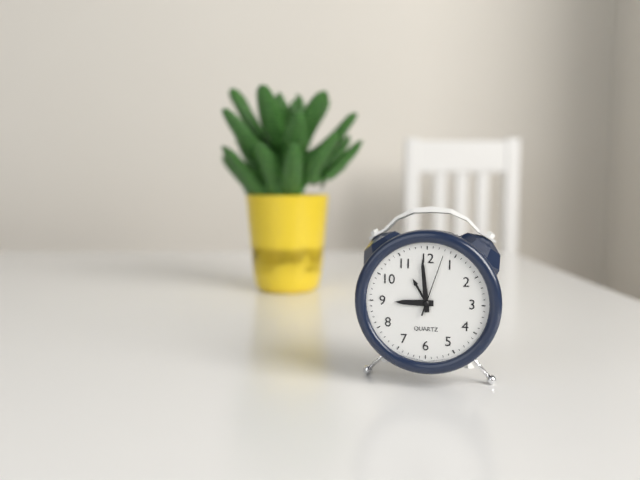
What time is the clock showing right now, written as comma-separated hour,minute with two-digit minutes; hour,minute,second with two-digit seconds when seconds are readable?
8,59,03
